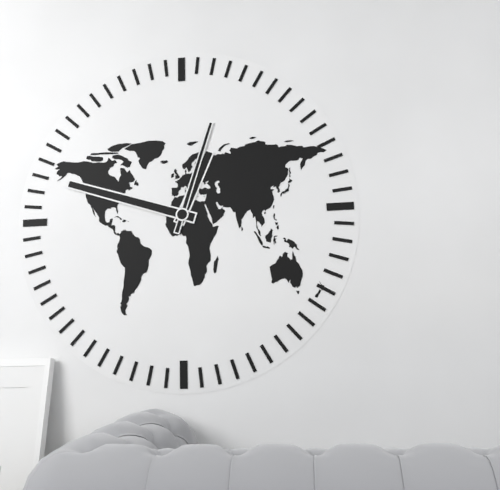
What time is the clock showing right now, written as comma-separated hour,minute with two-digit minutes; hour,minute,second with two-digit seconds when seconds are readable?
12,48,03
